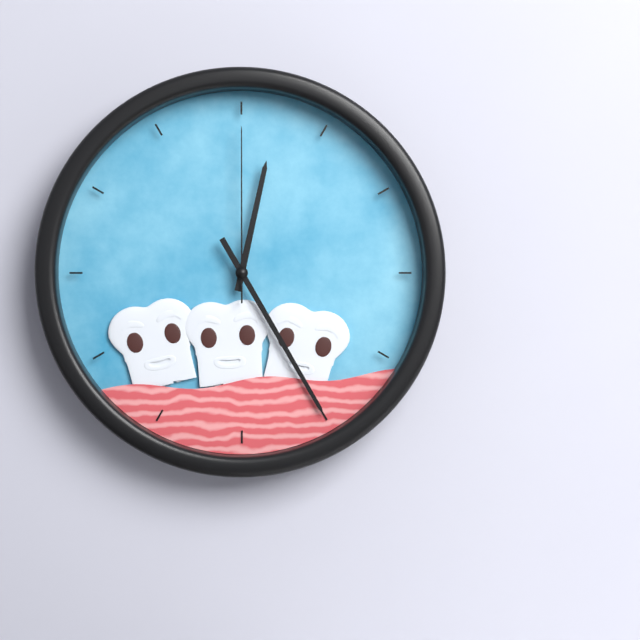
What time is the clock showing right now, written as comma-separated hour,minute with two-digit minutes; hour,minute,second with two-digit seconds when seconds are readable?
12,25,00
